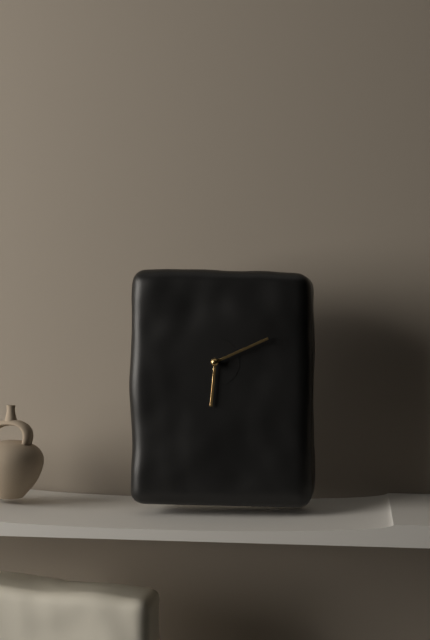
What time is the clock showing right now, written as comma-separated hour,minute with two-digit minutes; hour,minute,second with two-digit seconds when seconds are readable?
6,11
